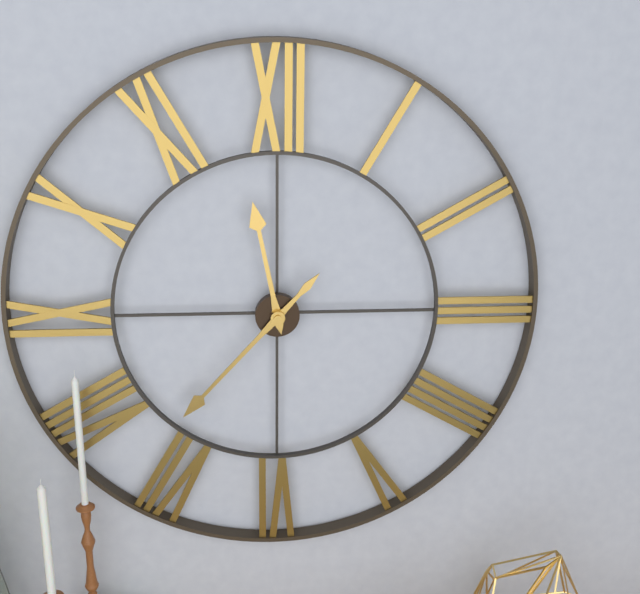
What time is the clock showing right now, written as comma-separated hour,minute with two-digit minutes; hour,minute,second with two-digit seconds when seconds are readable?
11,37
